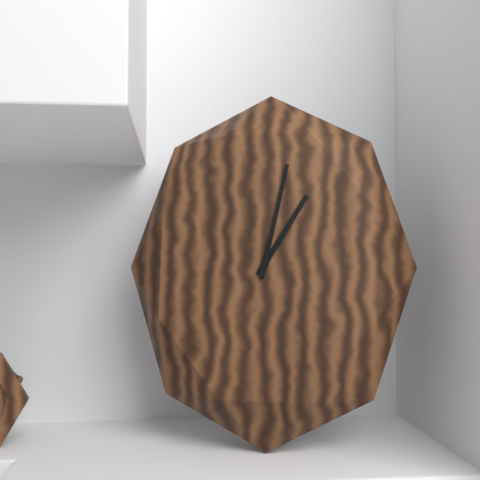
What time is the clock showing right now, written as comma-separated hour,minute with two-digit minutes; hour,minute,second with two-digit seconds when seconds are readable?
1,02
